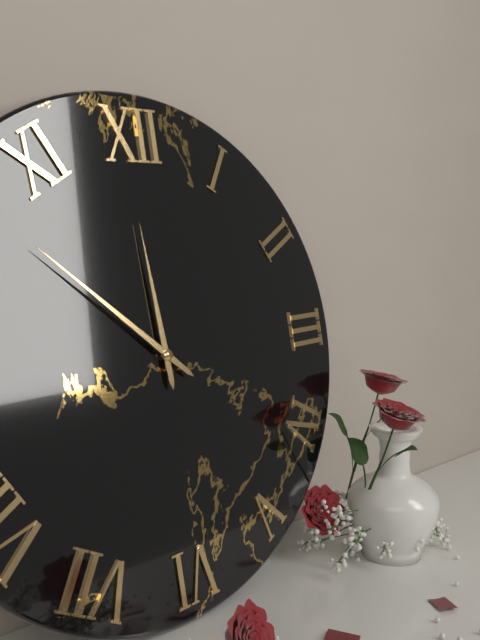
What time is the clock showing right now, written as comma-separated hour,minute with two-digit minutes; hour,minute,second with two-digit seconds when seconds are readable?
11,52
